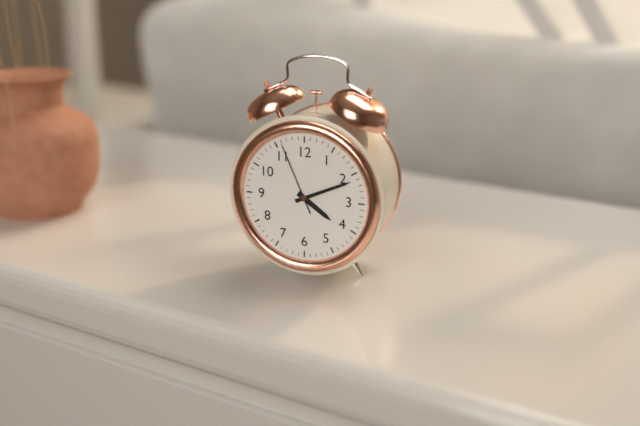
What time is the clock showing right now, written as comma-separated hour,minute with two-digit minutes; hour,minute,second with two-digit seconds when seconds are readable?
4,11,56
